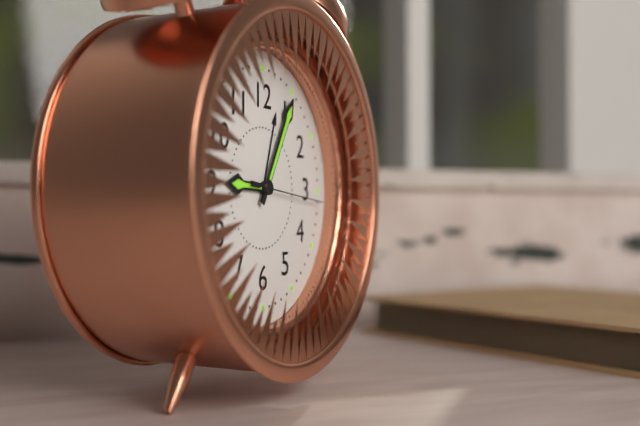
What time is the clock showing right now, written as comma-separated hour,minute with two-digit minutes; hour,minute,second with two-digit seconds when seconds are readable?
9,05,16
